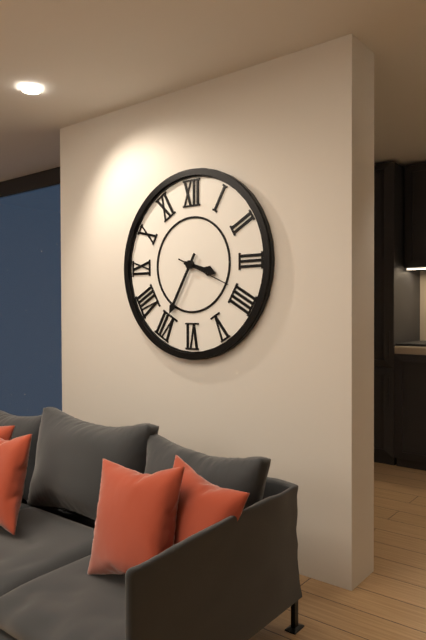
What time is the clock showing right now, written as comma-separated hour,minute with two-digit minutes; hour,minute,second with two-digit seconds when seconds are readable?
3,35,19
